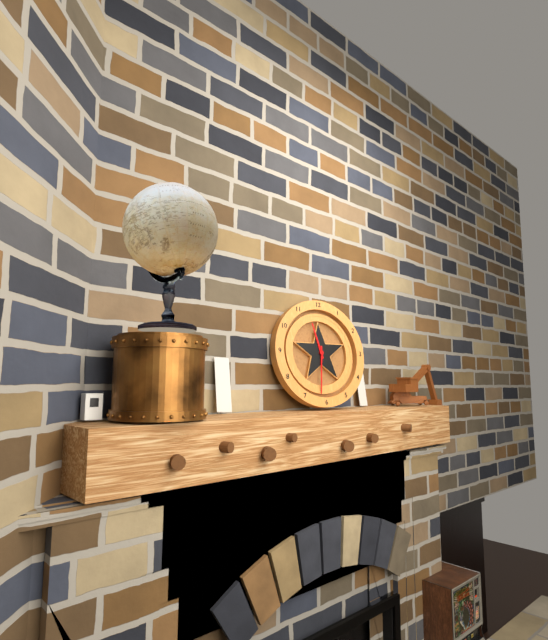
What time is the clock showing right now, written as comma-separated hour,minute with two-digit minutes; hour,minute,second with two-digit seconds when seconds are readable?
11,31
